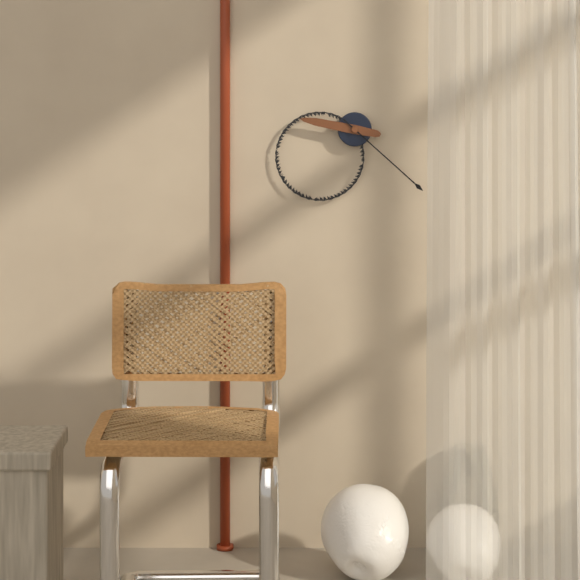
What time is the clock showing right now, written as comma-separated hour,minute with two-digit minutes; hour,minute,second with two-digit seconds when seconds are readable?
9,22
